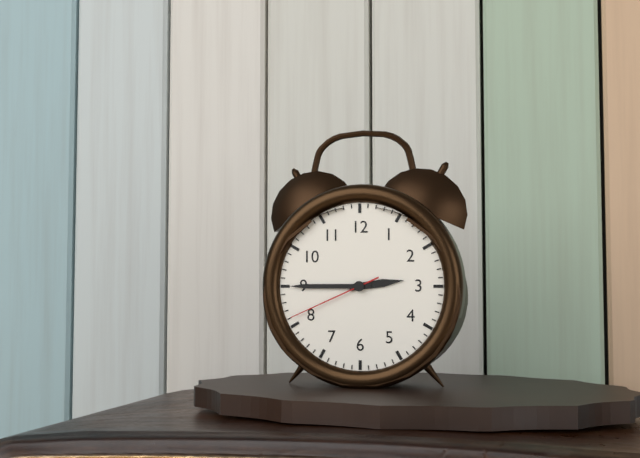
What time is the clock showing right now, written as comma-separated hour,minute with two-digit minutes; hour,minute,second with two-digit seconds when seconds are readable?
2,45,41
